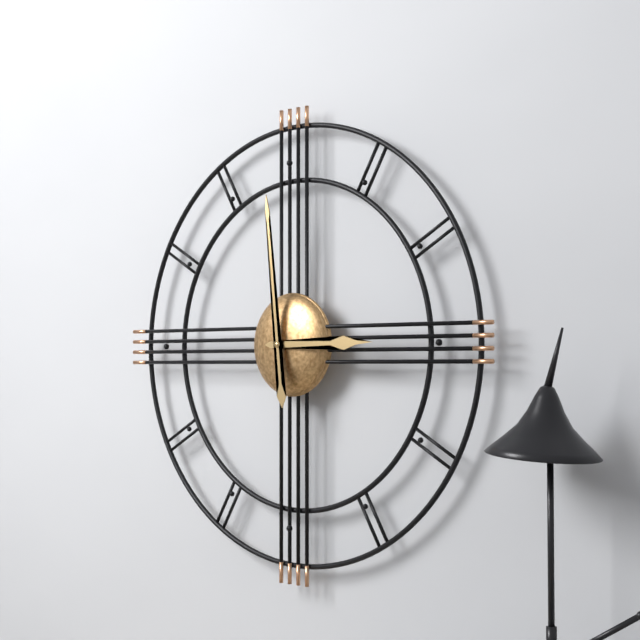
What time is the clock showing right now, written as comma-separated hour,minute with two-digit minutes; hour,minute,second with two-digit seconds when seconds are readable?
2,59
